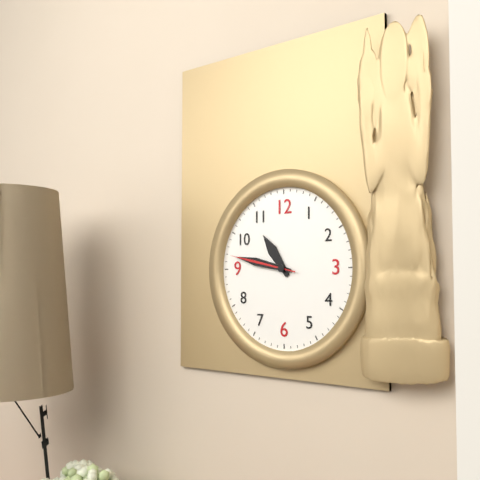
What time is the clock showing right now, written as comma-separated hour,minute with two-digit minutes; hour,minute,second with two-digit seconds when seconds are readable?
10,47,47
